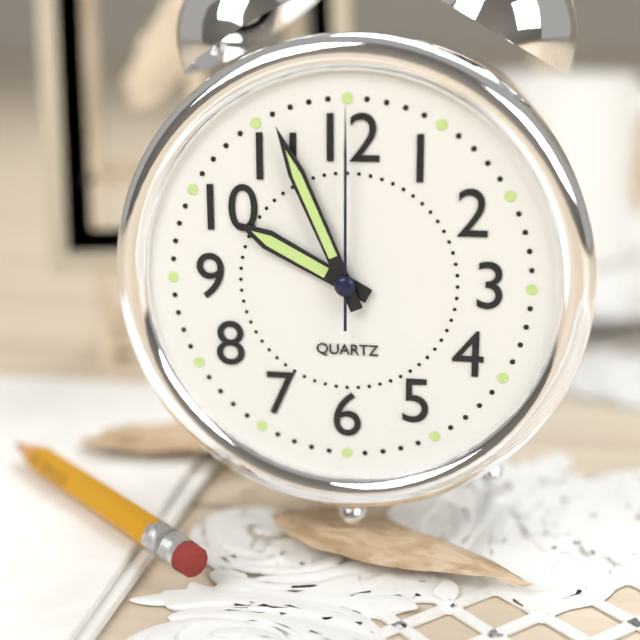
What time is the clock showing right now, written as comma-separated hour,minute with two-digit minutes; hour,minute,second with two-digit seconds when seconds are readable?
9,56,00
